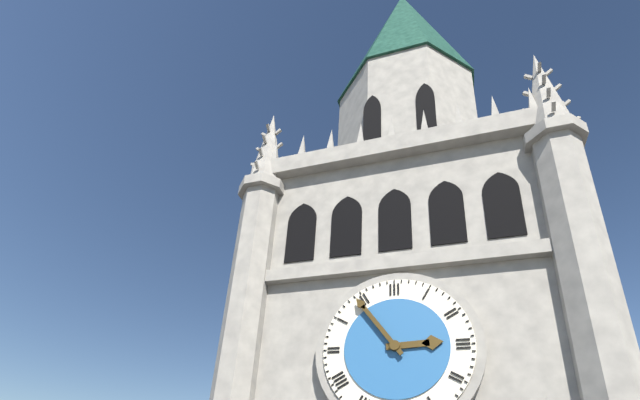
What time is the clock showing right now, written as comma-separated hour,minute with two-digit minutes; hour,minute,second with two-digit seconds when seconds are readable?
2,54
